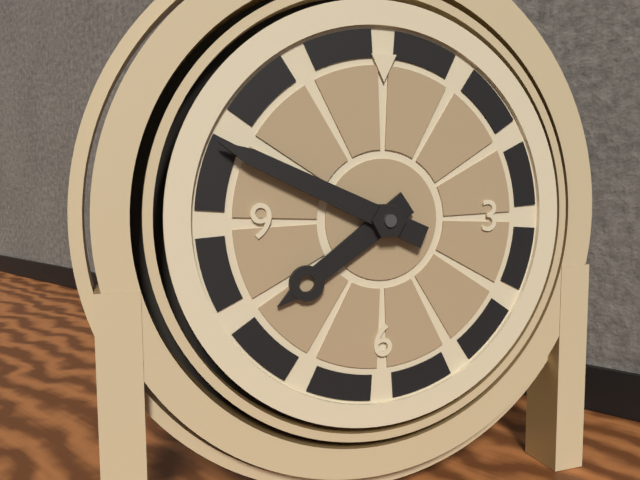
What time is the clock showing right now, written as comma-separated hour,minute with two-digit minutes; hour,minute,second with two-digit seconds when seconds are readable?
7,49
